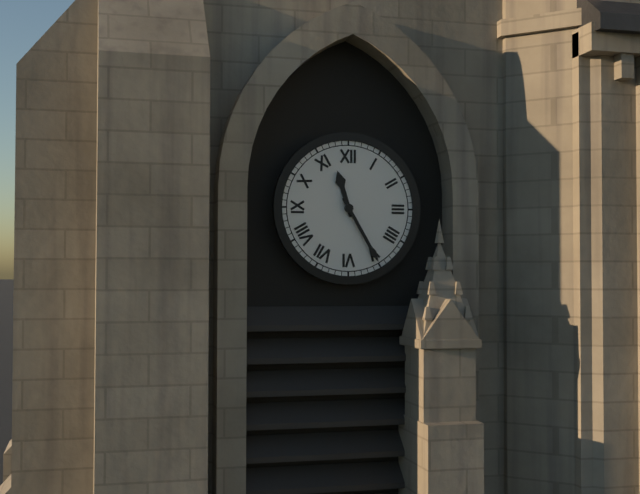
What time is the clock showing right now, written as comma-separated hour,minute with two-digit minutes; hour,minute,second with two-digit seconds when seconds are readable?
11,25
